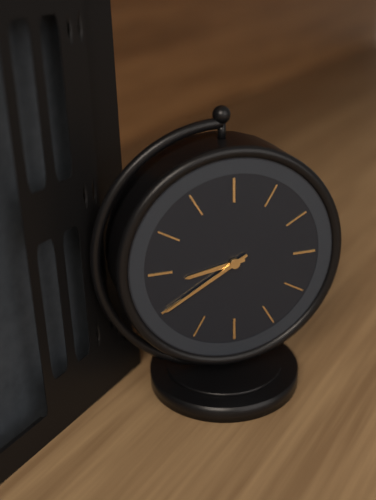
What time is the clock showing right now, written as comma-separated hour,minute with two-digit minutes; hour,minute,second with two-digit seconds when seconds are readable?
8,40
